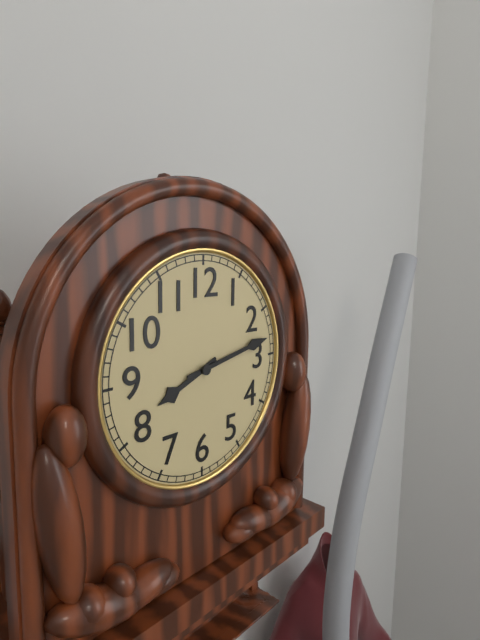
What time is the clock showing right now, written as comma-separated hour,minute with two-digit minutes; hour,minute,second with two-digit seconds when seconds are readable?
8,13
